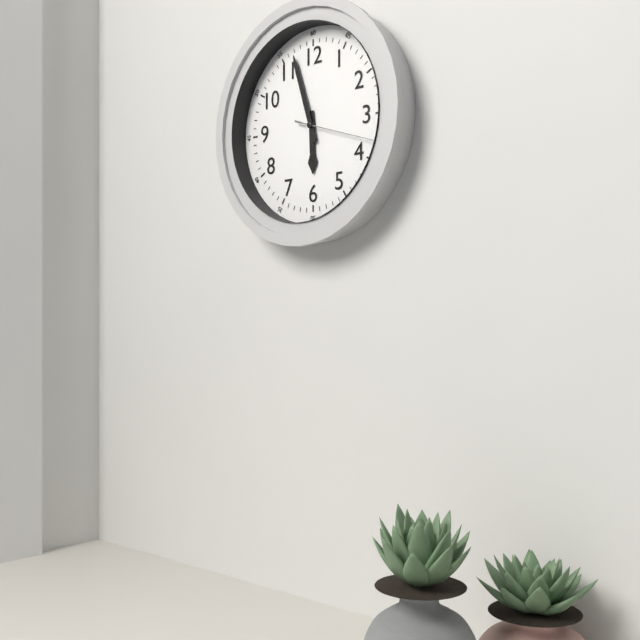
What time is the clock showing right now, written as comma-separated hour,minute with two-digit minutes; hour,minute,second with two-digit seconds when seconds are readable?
5,57,18
